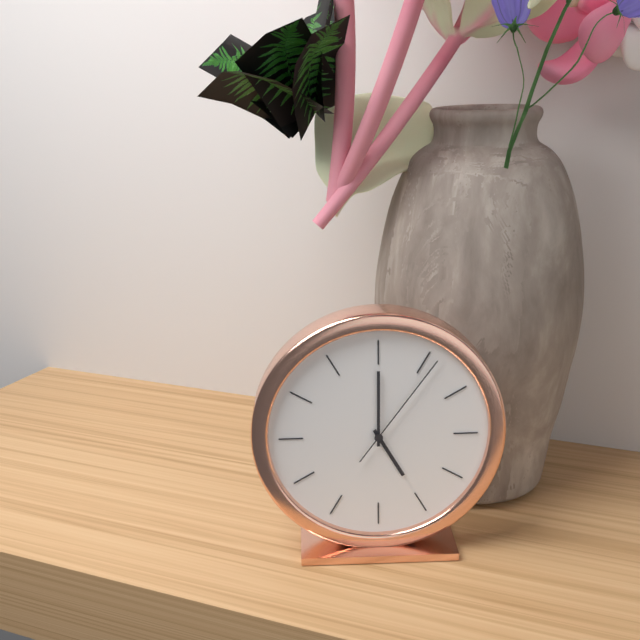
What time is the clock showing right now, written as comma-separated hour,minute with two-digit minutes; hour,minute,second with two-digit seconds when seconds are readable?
5,00,06
